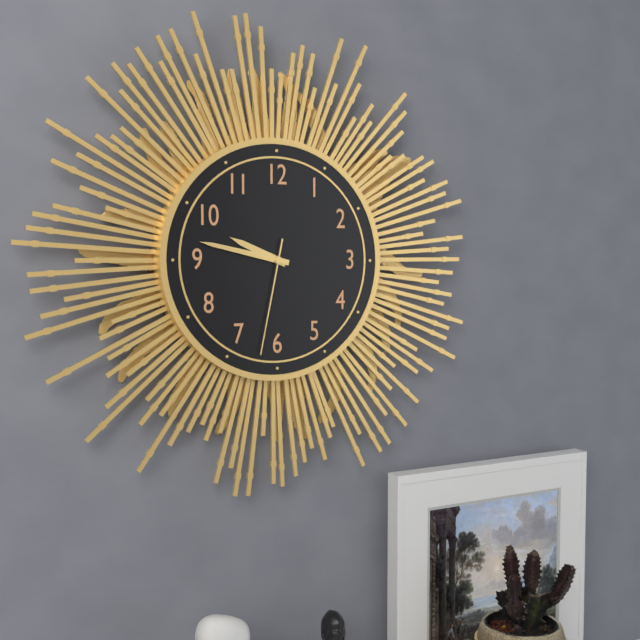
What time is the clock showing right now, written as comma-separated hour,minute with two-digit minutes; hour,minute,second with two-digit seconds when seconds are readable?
9,47,32
